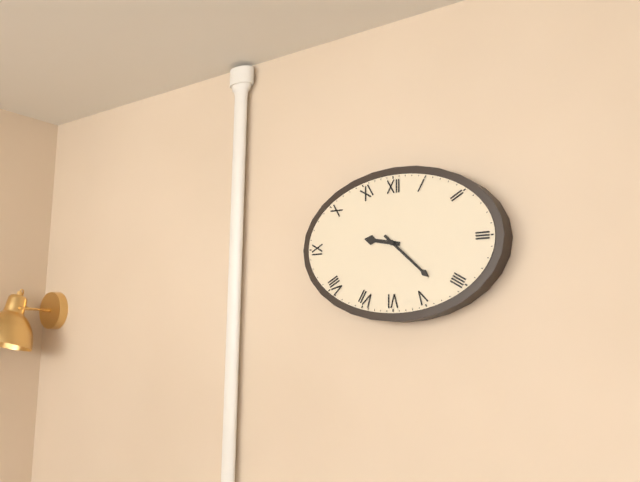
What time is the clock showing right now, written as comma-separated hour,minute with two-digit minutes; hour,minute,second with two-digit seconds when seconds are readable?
9,22
